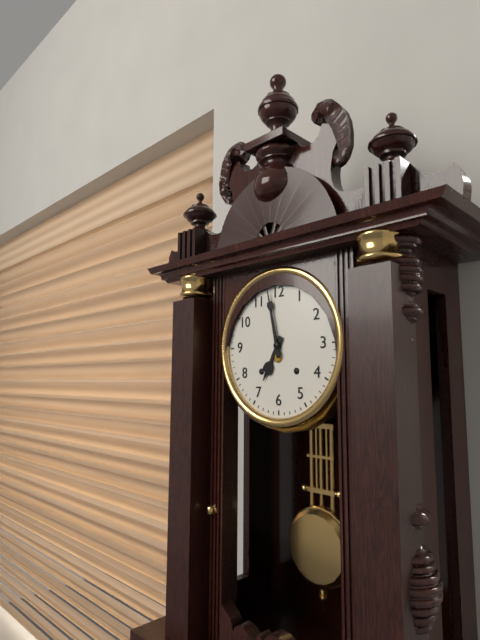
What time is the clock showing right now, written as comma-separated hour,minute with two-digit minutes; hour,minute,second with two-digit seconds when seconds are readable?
6,58
